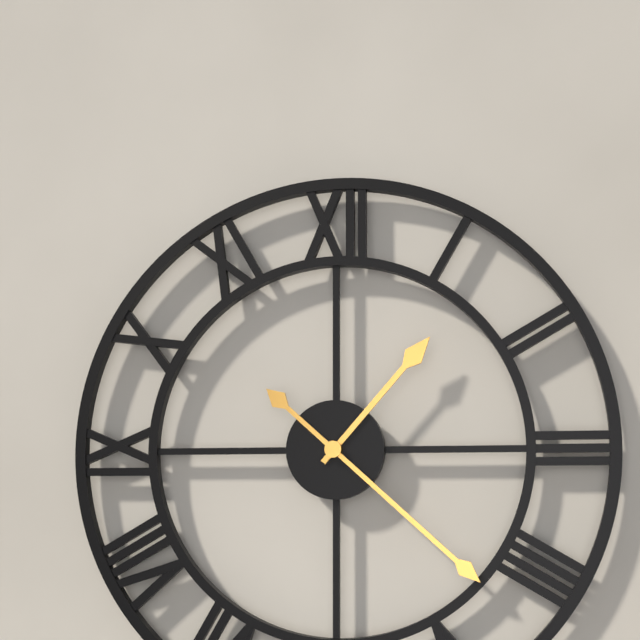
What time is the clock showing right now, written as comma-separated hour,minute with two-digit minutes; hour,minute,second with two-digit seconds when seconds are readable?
1,22
